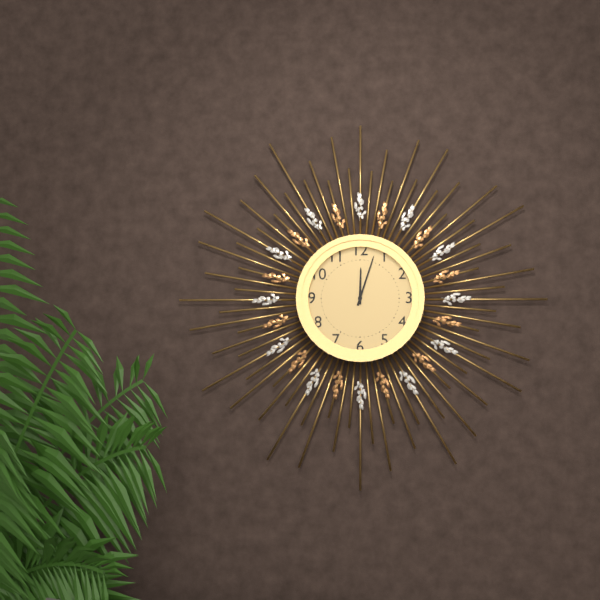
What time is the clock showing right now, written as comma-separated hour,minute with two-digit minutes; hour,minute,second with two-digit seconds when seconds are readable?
12,03
